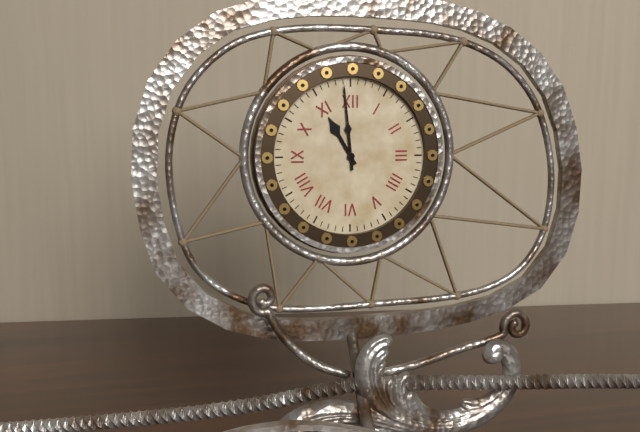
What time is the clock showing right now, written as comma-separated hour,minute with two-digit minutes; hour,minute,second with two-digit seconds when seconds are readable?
10,59
